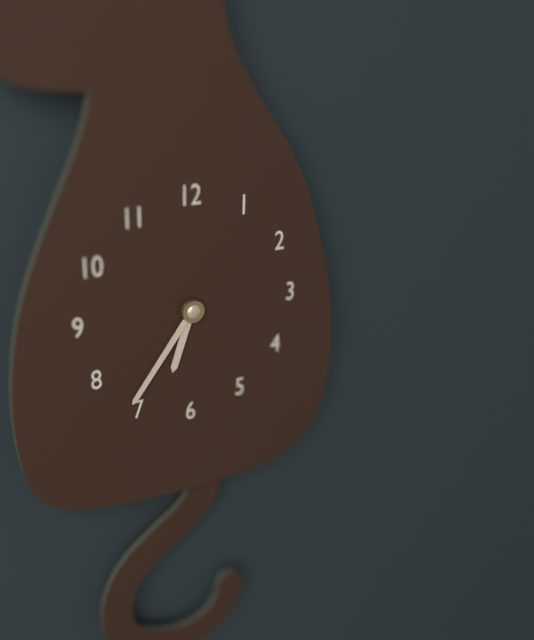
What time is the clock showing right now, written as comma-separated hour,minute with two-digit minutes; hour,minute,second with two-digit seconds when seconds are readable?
6,36
